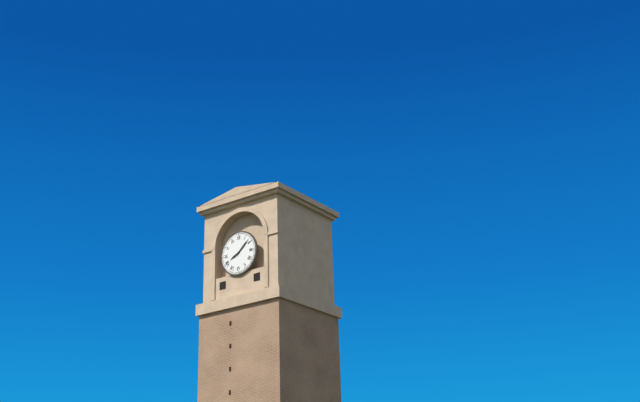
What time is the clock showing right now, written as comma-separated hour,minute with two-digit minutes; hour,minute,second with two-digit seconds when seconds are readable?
8,08
